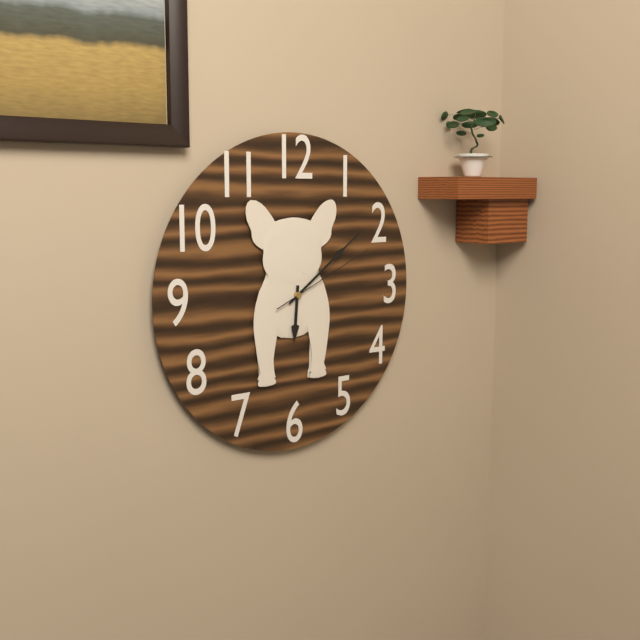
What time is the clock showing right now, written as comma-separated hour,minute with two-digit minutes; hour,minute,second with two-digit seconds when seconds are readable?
6,09,11
